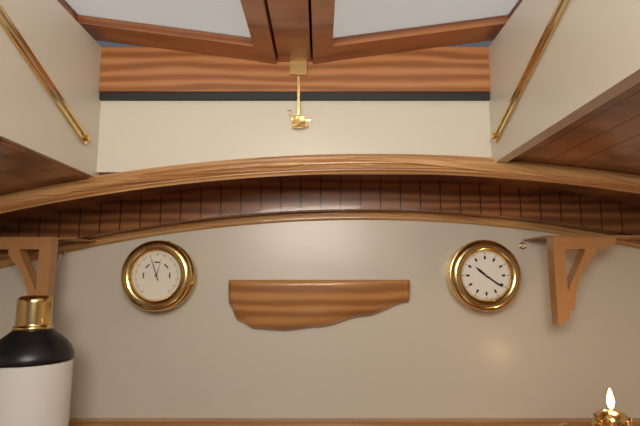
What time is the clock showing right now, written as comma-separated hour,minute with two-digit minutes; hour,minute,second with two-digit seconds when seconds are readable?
10,21
